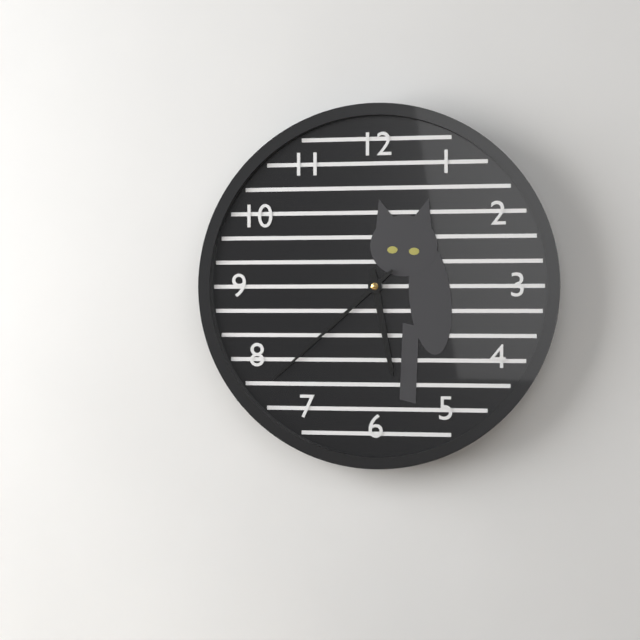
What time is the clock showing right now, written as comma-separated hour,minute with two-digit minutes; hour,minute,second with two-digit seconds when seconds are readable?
5,38
